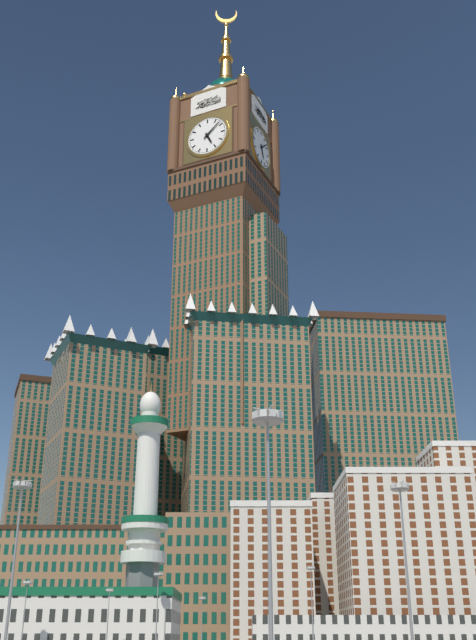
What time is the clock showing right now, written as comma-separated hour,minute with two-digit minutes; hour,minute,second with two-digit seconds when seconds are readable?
5,08
